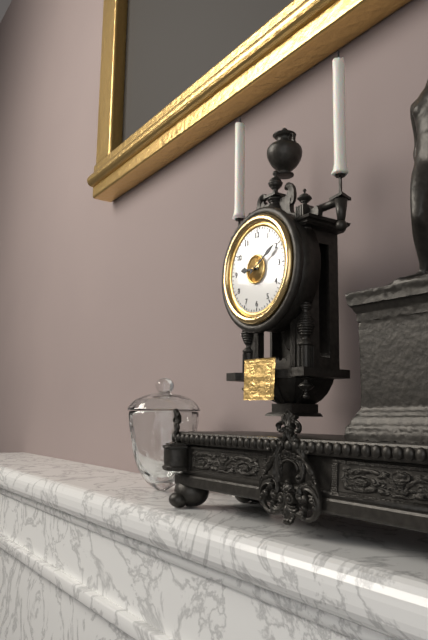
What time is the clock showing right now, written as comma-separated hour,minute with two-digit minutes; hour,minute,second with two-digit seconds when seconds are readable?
9,10
